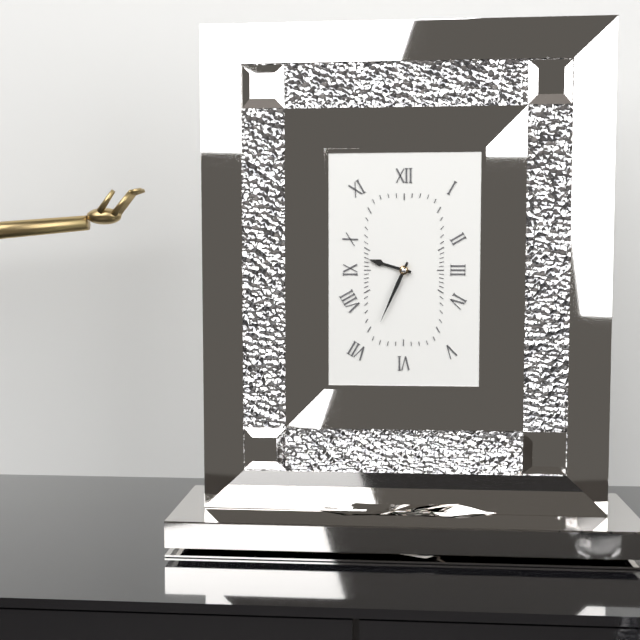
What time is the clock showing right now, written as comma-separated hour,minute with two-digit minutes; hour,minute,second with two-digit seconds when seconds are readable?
9,34
